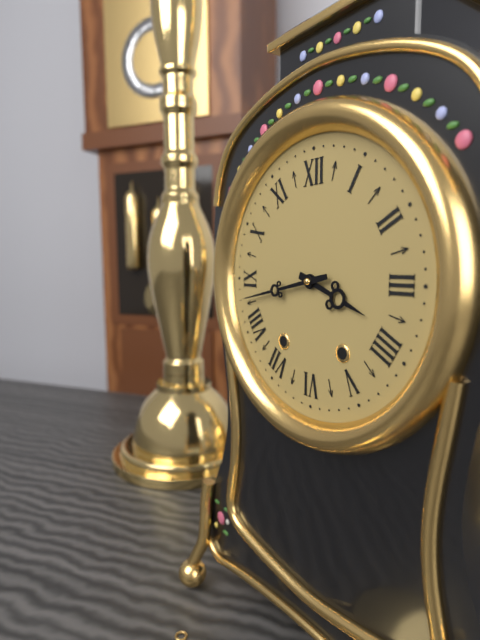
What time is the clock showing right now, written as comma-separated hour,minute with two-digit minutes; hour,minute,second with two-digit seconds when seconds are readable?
3,43
